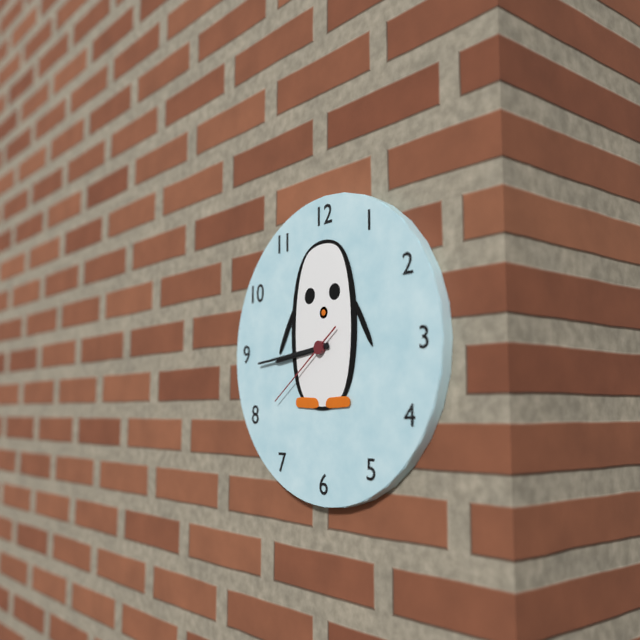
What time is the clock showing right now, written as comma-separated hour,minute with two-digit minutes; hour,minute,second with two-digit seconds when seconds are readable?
8,44,39
